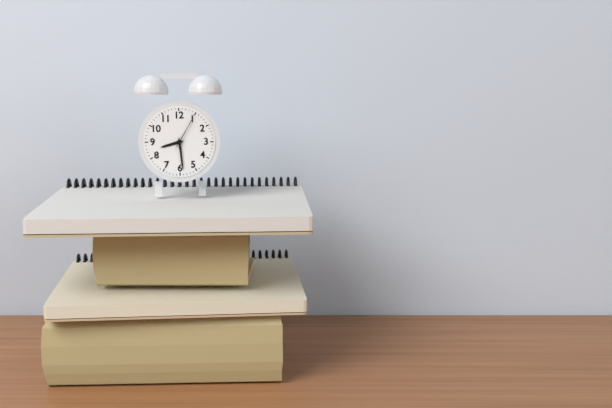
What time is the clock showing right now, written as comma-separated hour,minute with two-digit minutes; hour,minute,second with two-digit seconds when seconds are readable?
8,29
